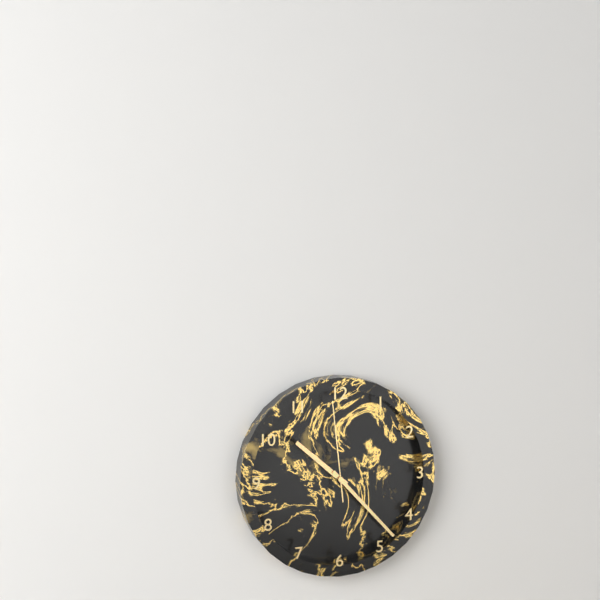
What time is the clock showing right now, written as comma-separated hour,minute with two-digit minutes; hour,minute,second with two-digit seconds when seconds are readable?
10,23,59
